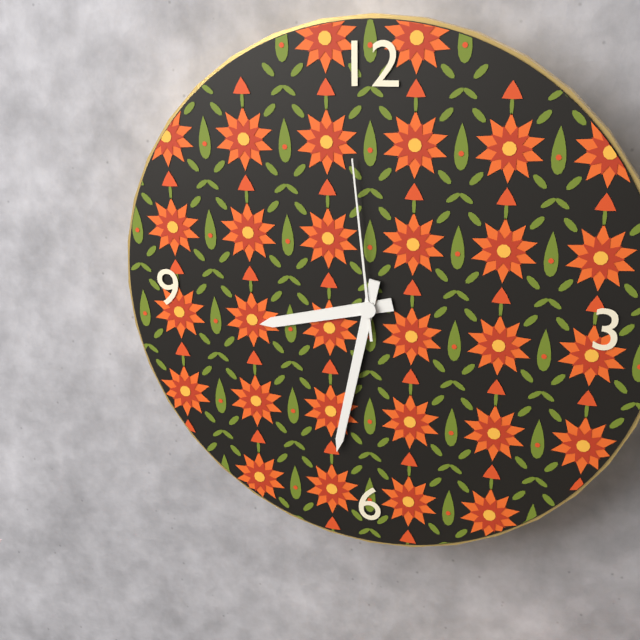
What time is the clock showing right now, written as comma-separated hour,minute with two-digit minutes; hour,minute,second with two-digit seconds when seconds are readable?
8,32,59
